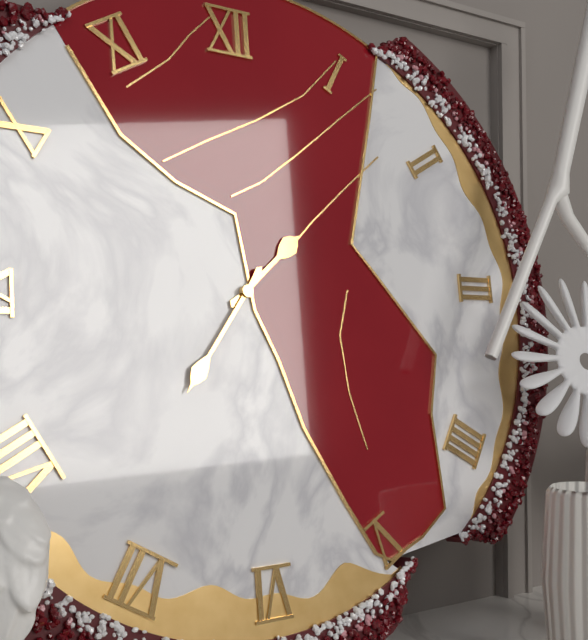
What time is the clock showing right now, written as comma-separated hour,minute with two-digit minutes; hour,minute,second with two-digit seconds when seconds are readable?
1,36
